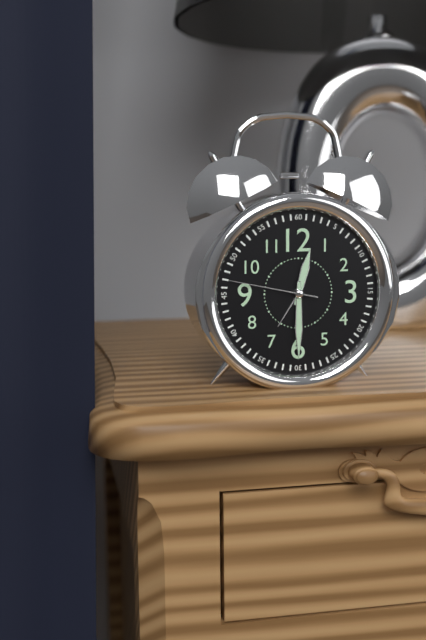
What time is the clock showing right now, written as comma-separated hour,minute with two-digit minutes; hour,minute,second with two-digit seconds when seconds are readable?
12,30,47
